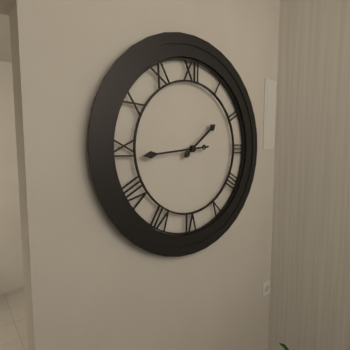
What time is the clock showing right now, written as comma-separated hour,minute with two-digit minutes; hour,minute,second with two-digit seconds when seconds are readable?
1,44
